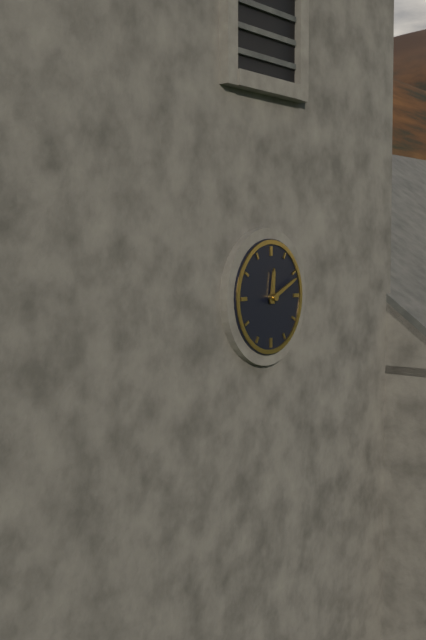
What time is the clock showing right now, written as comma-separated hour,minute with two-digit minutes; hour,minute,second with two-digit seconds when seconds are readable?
12,11
